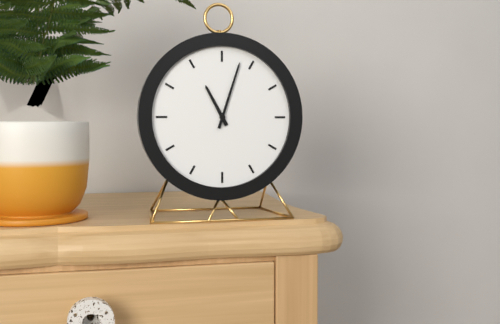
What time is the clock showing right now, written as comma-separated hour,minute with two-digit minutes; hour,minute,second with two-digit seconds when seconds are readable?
11,03
